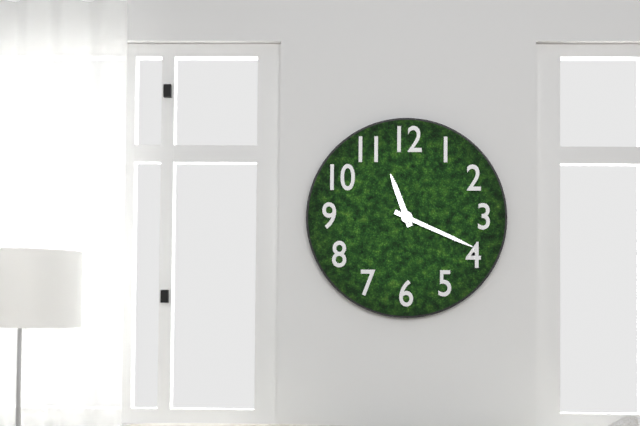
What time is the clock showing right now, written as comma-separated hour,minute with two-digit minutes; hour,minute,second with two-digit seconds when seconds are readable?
11,19
